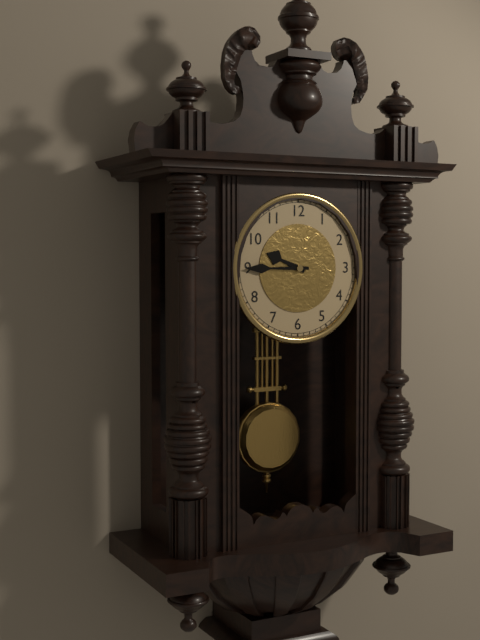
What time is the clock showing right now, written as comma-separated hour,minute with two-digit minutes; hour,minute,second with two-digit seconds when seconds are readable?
9,45
